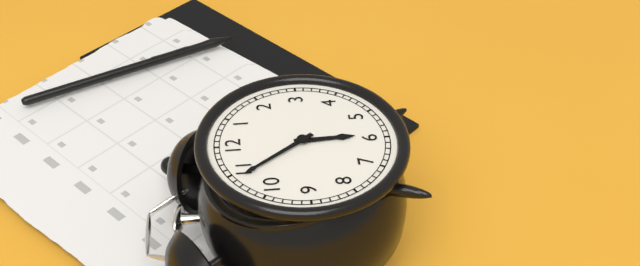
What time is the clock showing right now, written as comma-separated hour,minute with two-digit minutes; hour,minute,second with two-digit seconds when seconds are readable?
5,54
